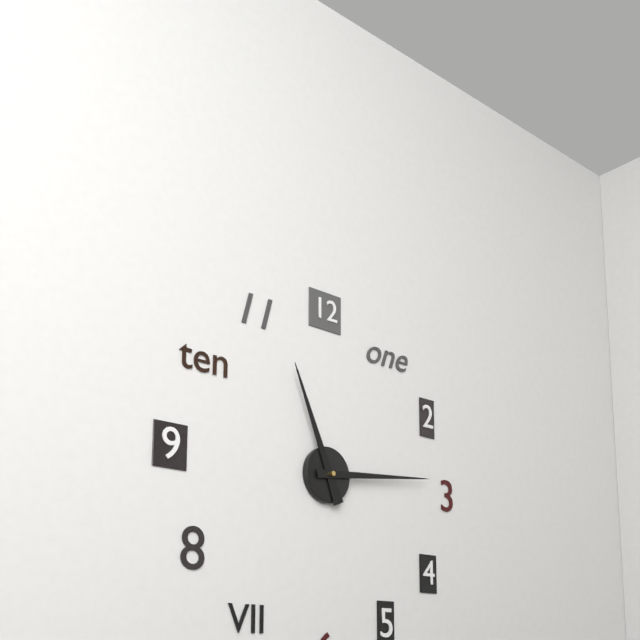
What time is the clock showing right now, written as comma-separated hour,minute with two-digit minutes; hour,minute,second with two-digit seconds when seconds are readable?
11,14
